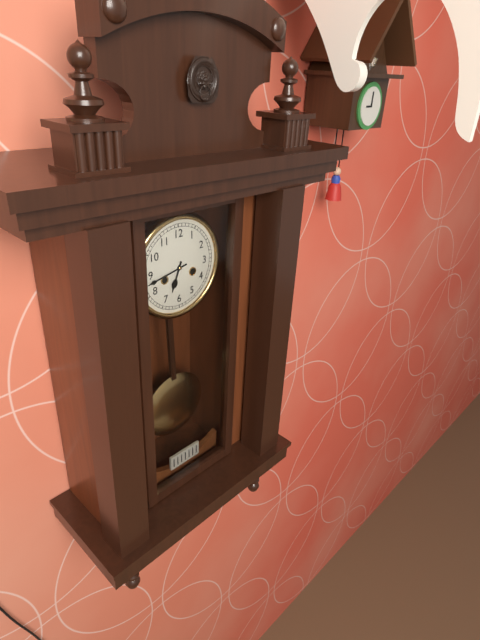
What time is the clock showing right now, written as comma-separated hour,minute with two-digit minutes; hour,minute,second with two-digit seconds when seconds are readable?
6,43
